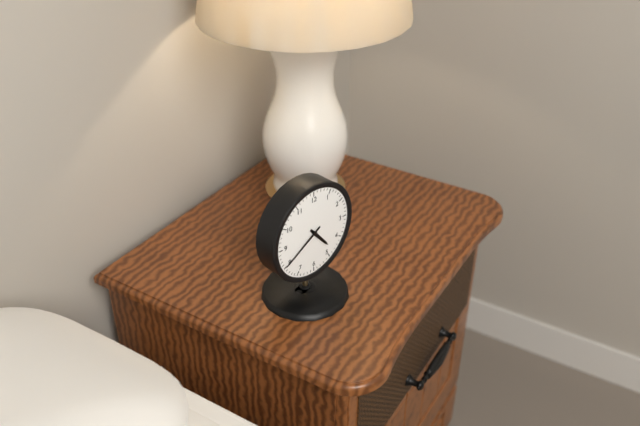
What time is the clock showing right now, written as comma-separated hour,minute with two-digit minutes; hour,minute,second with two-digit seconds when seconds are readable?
4,40
